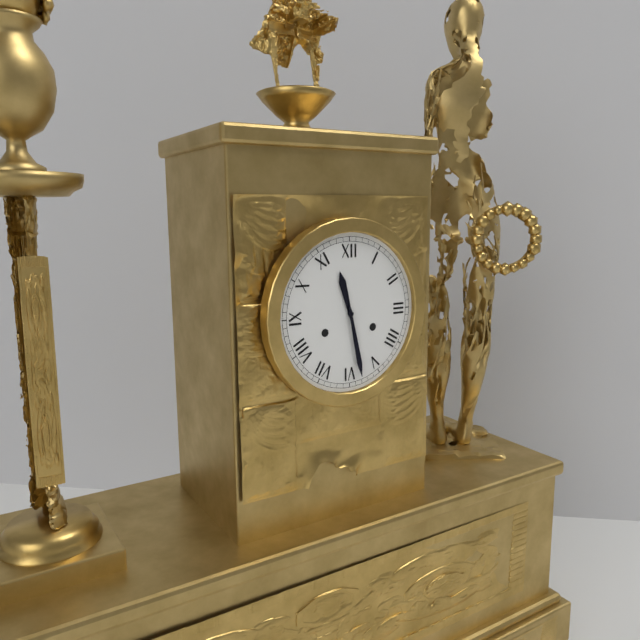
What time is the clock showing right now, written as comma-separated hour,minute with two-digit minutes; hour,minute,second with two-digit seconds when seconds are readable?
11,28
